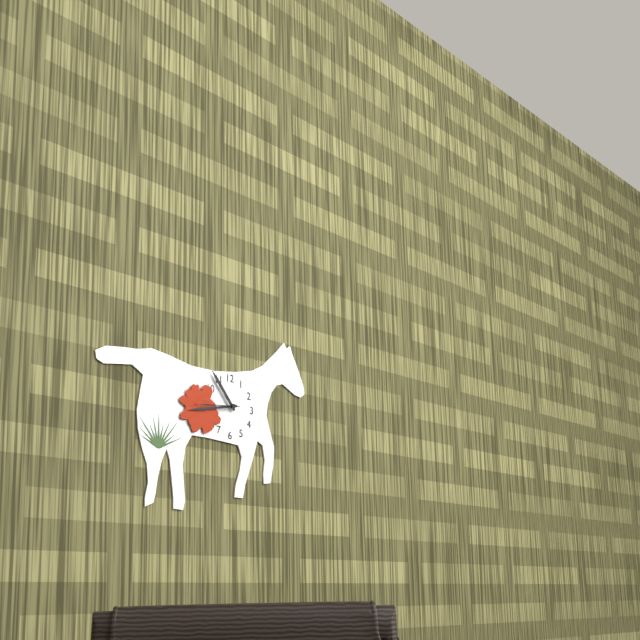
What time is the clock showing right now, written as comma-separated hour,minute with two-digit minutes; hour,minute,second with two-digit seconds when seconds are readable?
10,43
